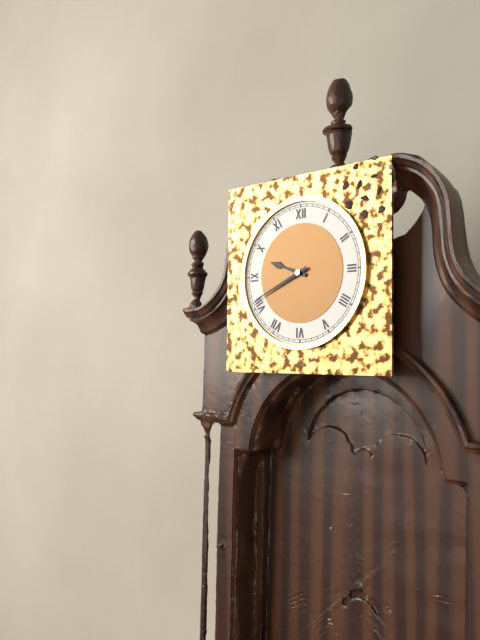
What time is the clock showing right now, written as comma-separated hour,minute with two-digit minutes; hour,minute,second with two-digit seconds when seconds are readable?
9,41
